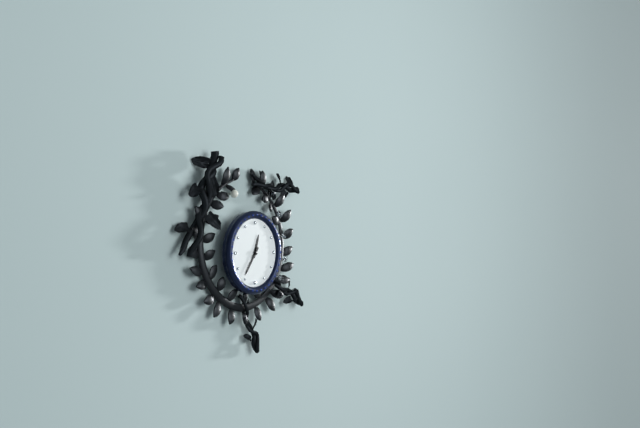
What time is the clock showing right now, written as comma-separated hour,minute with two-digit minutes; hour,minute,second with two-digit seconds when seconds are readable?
12,36
